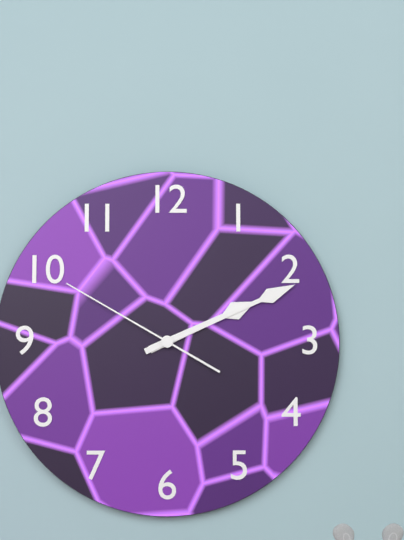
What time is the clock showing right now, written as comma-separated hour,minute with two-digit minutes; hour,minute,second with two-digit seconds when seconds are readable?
2,11,50
